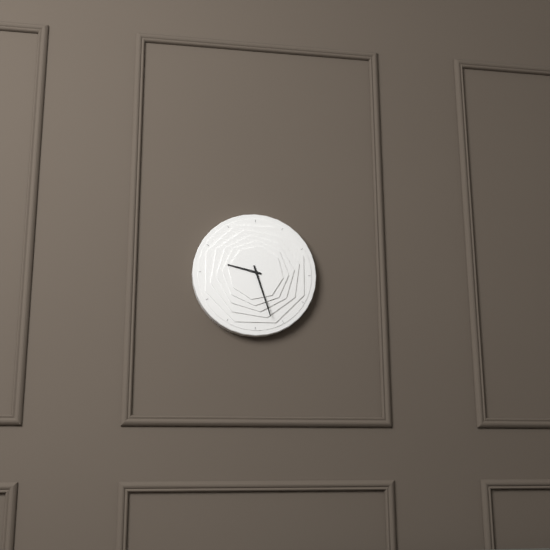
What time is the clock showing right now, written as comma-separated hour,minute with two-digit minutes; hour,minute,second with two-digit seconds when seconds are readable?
9,27
